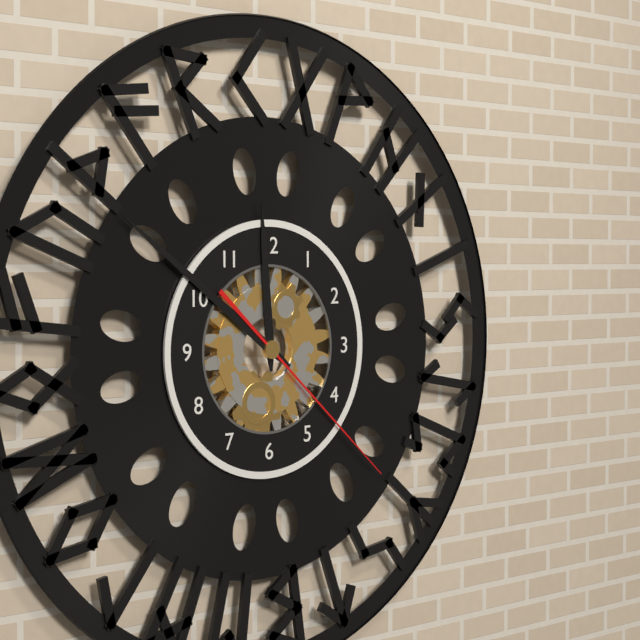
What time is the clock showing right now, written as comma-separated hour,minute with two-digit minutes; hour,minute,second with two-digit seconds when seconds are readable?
11,51,22
